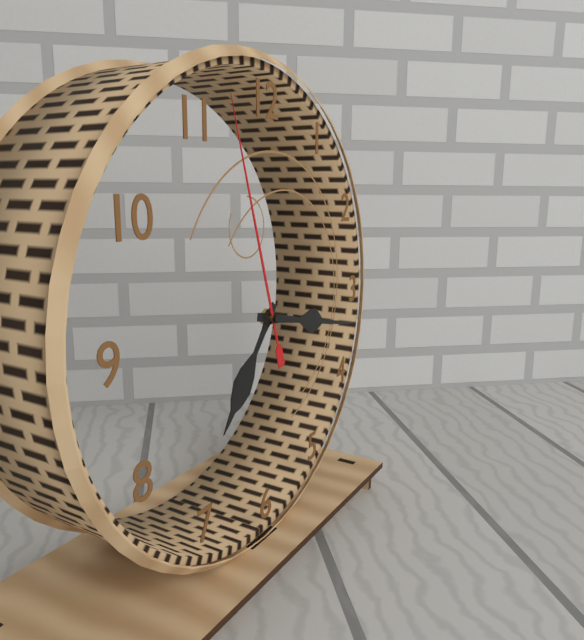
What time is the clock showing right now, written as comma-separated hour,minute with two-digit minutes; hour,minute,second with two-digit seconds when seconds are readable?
7,17,57
